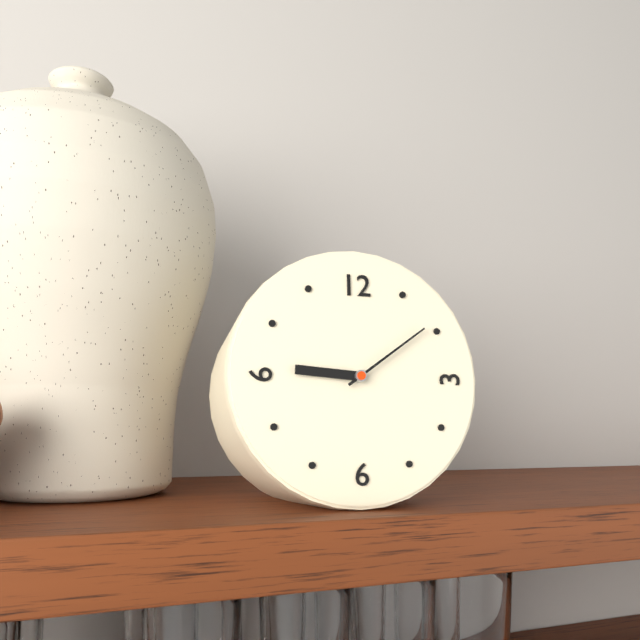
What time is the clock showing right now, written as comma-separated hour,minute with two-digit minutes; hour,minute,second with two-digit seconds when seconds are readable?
9,09
